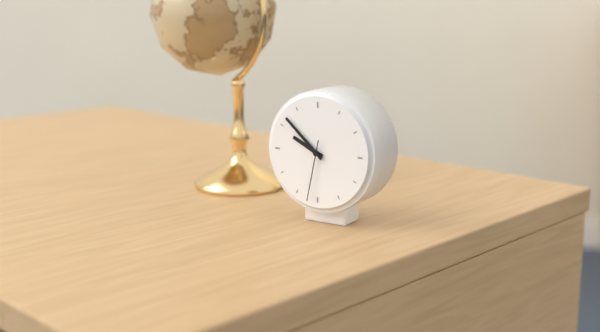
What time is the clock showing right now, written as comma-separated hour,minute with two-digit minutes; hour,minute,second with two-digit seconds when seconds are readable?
9,52,32
